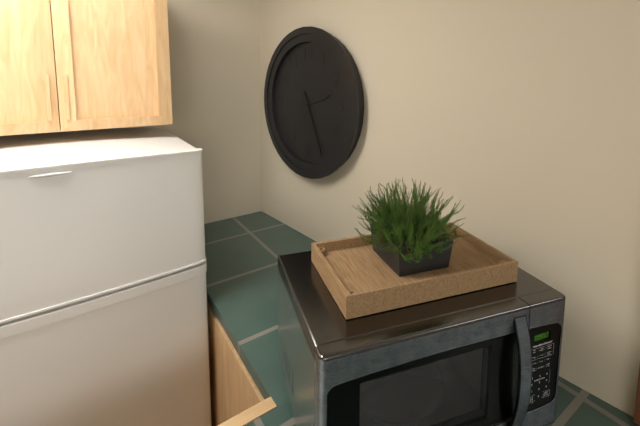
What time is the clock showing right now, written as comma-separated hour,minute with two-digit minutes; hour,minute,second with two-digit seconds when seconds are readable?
2,26
